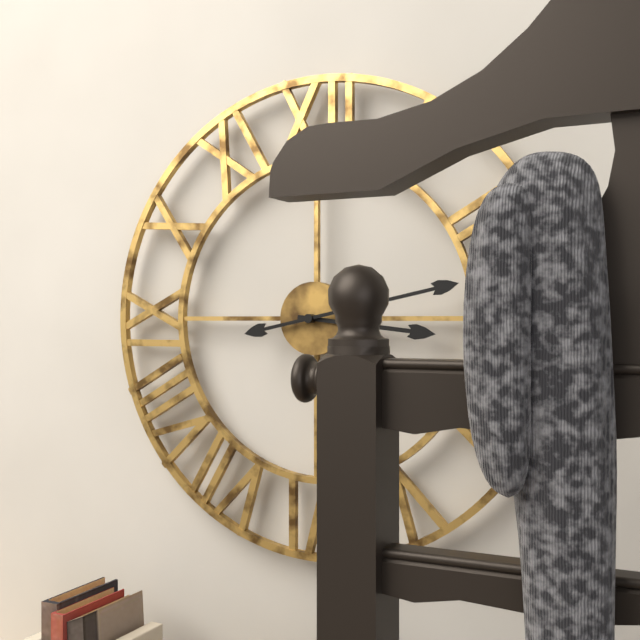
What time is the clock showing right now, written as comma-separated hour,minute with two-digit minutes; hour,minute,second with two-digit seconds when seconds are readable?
3,13
